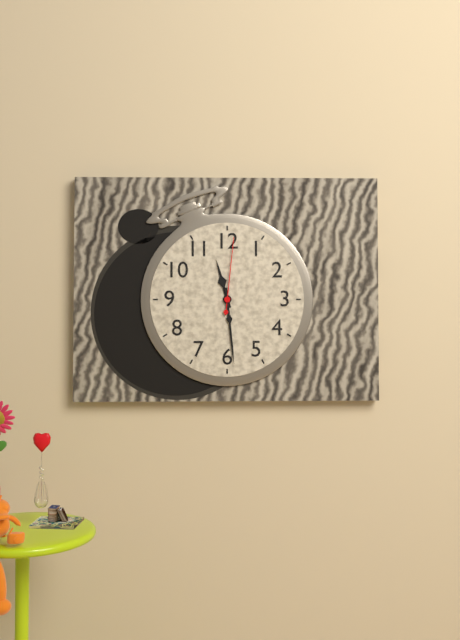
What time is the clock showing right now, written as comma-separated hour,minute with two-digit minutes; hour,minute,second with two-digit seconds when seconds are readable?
11,29,01
